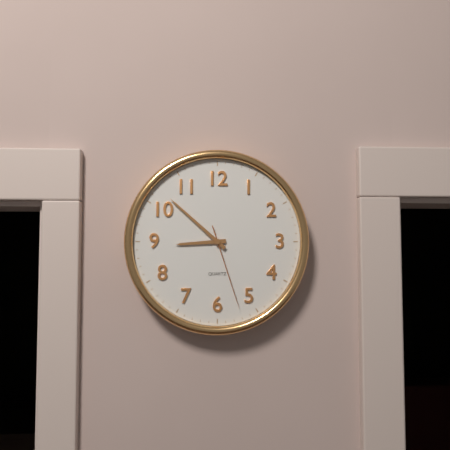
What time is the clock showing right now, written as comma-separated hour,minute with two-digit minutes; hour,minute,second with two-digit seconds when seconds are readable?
8,52,27
